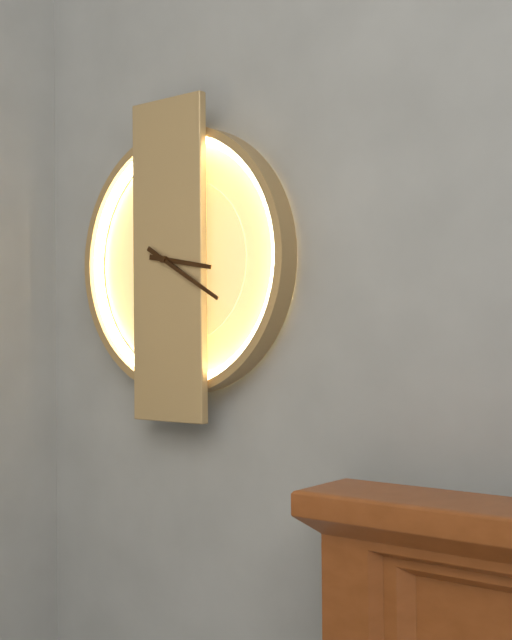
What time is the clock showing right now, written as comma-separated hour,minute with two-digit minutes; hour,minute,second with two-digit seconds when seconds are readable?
3,20
